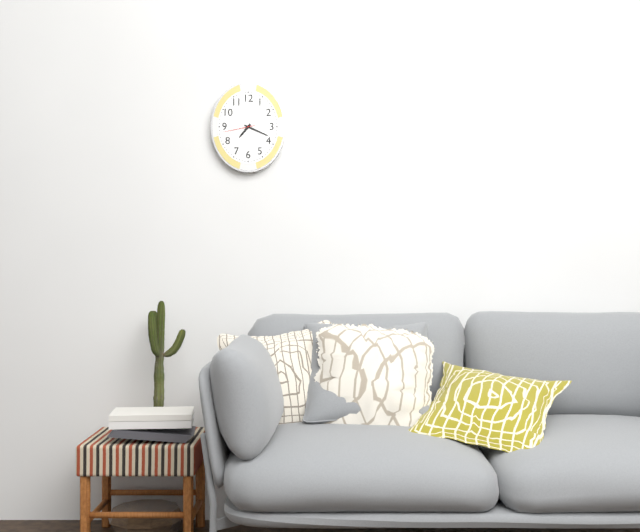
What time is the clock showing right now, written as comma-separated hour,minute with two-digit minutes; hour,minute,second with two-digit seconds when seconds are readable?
7,19
